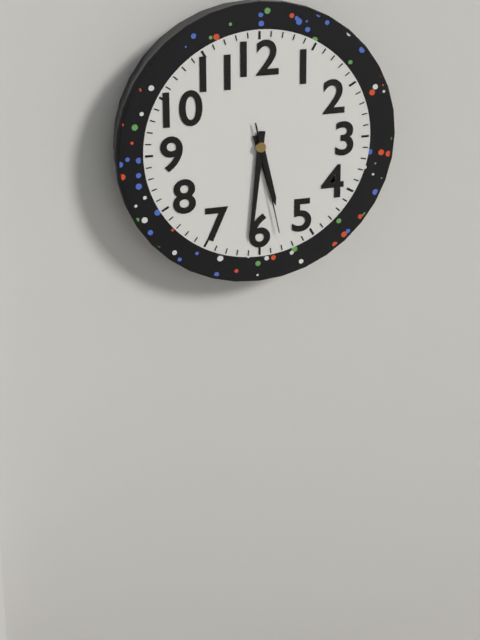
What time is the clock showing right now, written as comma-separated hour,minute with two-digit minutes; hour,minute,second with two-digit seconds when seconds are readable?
5,31,28
